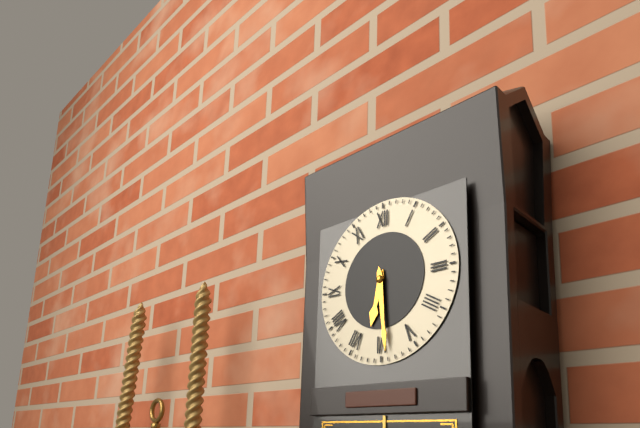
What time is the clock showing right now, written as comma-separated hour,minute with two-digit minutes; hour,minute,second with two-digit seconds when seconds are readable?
6,29
